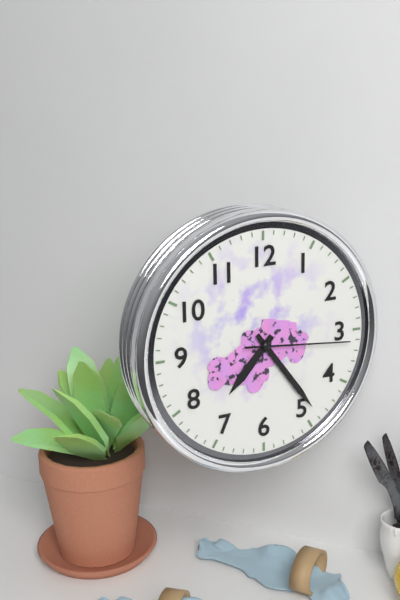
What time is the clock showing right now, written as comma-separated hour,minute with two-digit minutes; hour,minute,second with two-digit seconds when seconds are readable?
7,24,16
